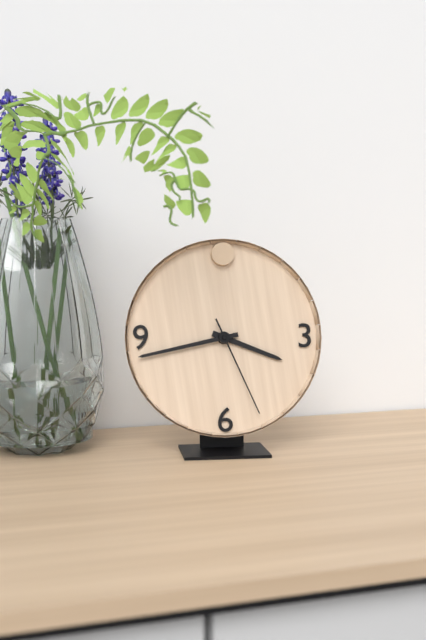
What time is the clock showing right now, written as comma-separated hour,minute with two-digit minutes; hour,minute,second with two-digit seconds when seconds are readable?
3,43,26
